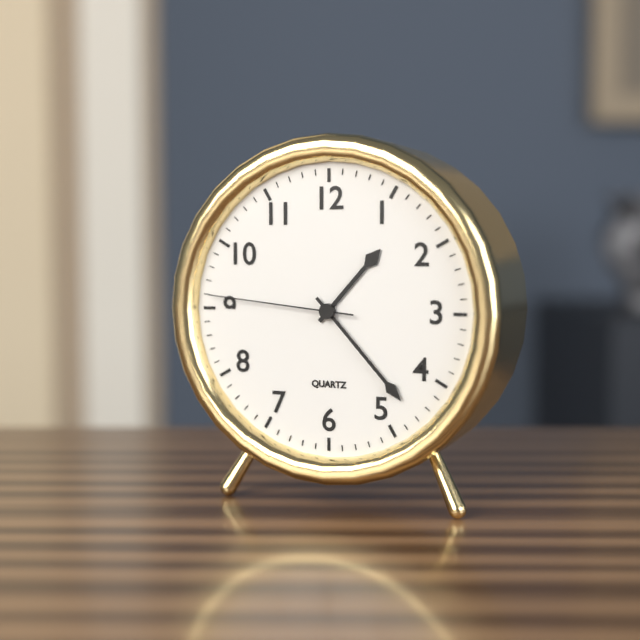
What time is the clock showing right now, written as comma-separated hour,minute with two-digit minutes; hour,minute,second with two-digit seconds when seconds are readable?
1,23,46
